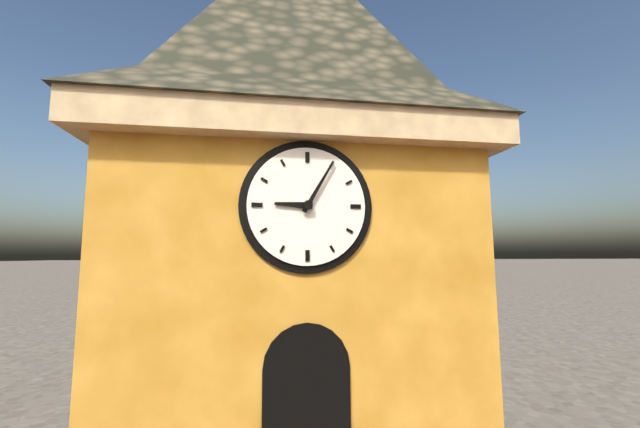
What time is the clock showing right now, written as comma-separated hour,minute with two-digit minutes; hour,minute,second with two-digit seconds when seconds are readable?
9,05
